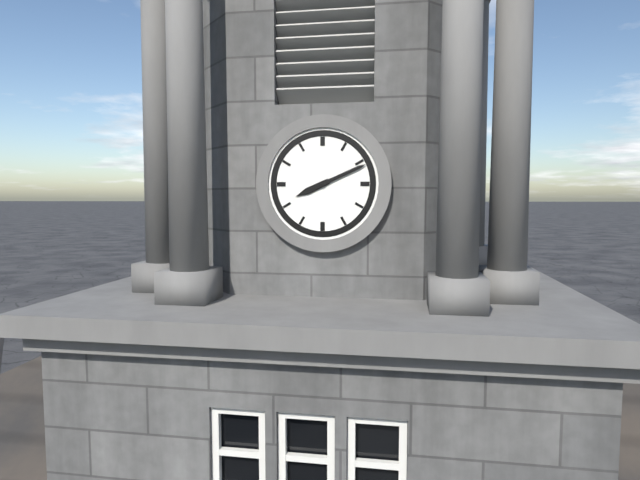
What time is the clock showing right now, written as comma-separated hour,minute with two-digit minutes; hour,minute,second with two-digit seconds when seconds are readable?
8,11
